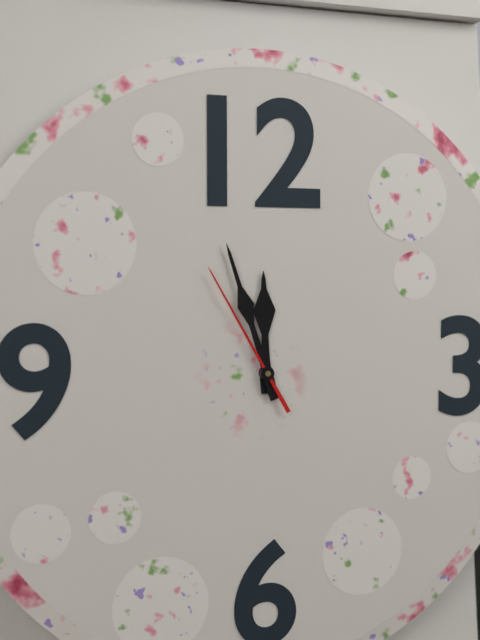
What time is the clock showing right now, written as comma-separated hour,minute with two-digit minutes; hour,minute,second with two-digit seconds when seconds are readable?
11,57,55
